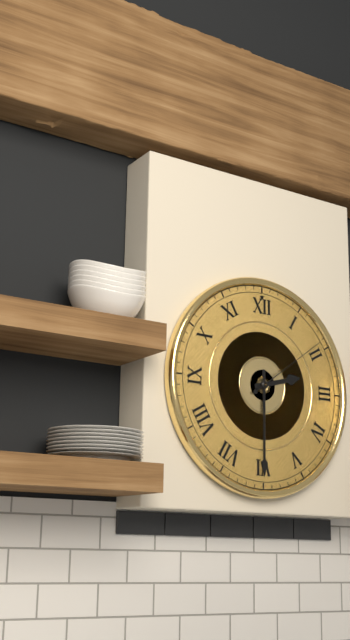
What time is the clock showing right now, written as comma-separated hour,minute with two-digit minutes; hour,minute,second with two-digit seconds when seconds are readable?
2,30,09
